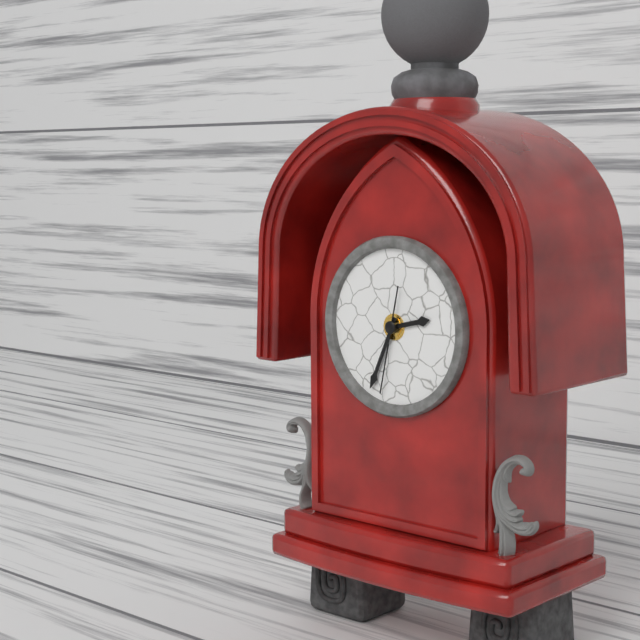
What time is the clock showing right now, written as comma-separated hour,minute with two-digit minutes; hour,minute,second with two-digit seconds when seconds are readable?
2,34,32
